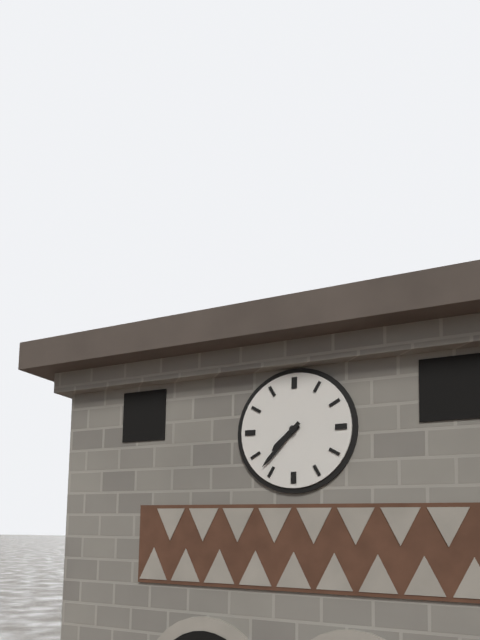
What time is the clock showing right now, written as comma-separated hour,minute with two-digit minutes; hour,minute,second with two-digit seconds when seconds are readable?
7,37
